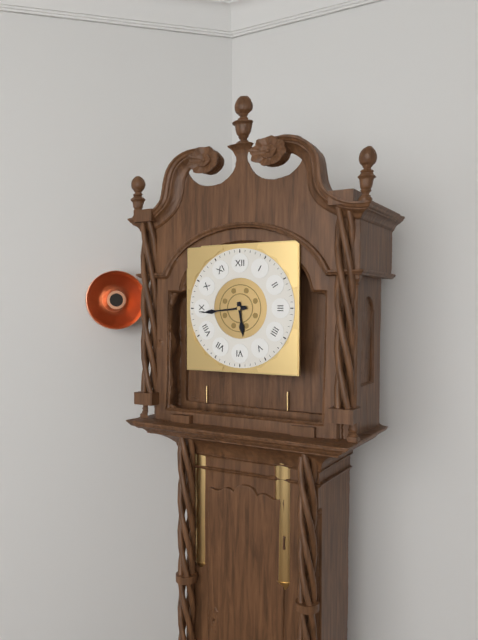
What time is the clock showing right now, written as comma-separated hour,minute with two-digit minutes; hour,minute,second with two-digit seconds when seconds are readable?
5,44
